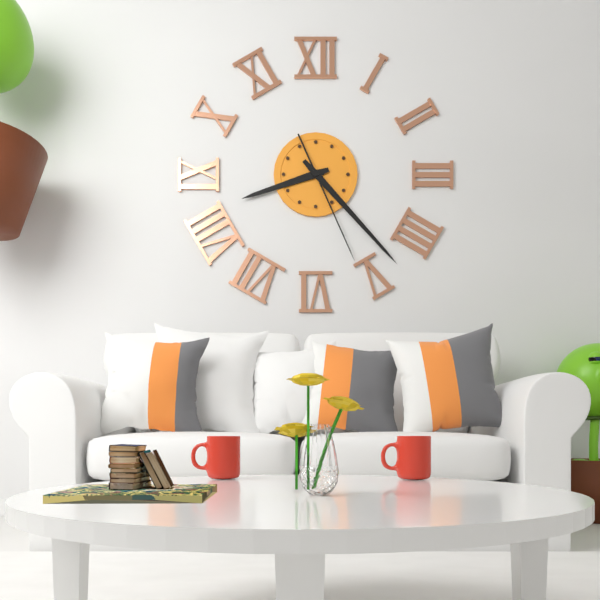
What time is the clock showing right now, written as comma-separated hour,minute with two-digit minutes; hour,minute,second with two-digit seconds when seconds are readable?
8,23,26
